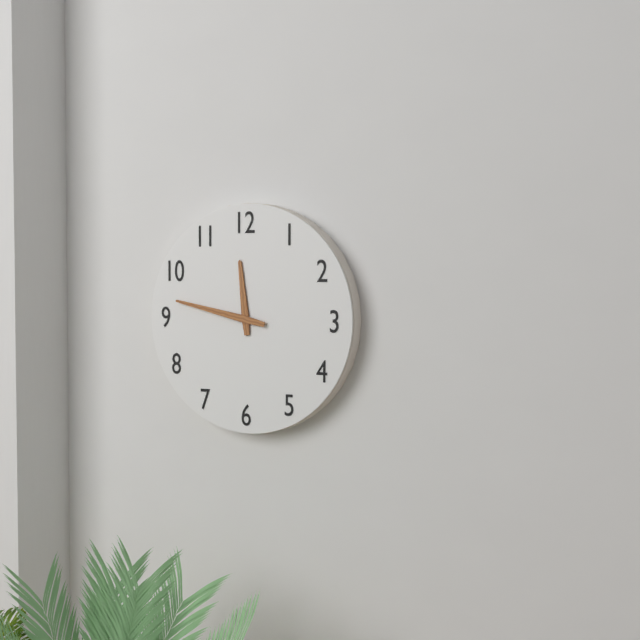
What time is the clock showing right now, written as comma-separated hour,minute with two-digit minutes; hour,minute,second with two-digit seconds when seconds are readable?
11,47
